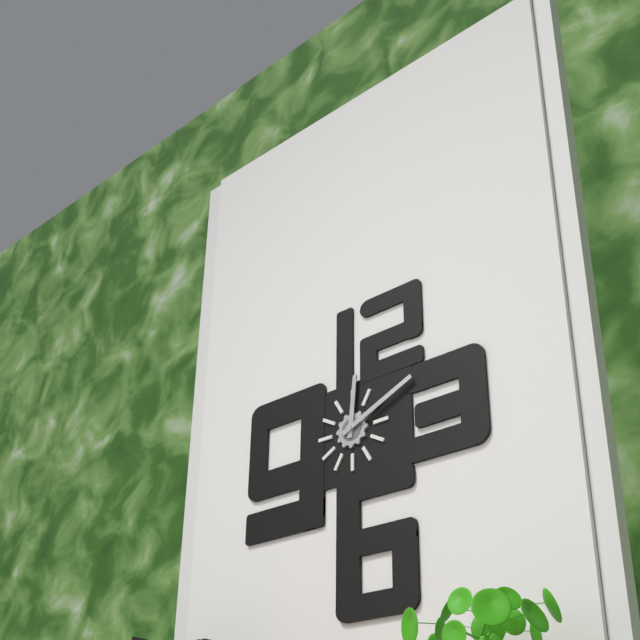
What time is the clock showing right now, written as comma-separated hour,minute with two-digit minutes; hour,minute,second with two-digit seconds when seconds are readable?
12,11
